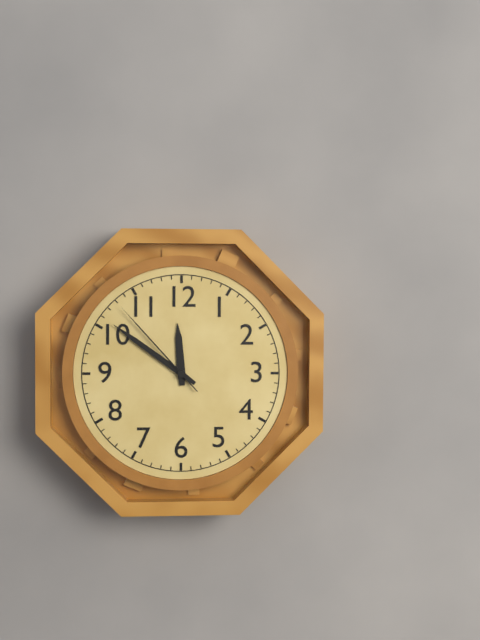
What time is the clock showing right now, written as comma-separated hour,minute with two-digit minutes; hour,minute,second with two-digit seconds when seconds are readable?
11,51,53
